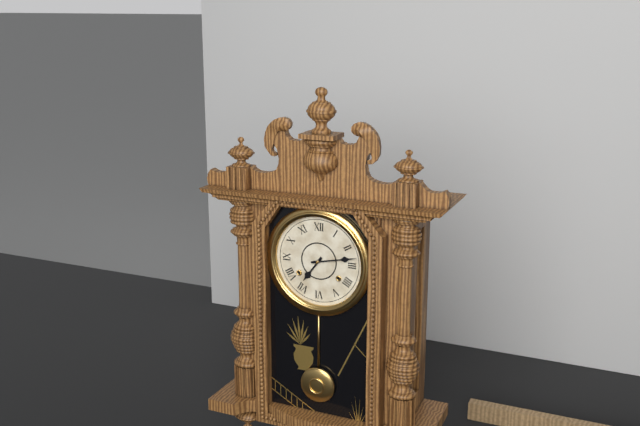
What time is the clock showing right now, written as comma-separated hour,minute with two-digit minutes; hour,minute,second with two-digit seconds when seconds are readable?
7,13
